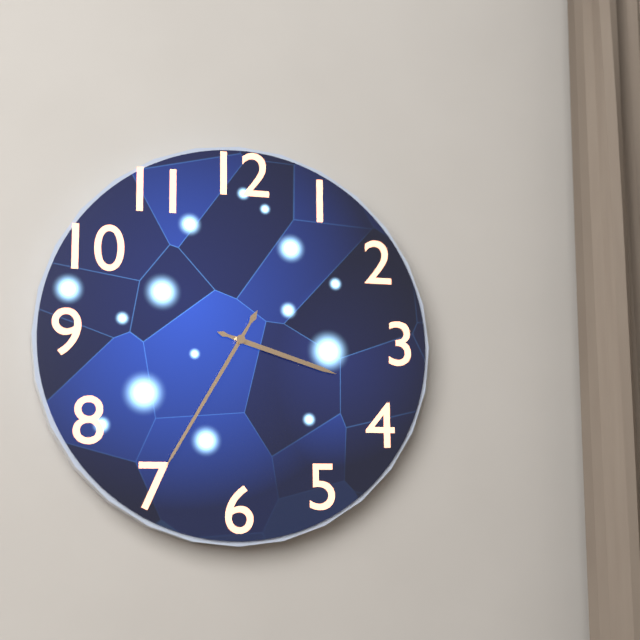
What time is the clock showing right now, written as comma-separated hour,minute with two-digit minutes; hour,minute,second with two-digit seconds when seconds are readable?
3,35
